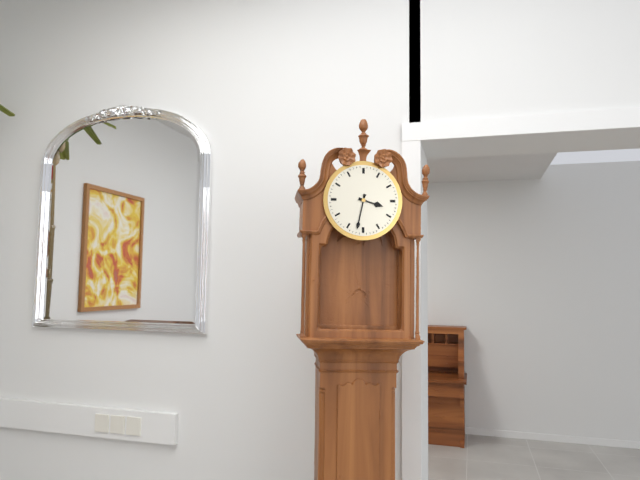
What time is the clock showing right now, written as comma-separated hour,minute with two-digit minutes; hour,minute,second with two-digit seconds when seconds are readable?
3,32
